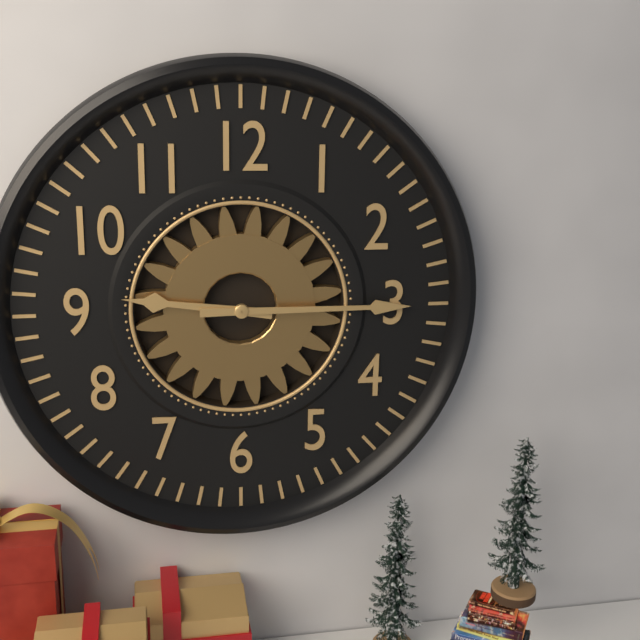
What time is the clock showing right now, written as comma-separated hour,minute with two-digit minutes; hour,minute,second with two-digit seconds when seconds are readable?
9,15
